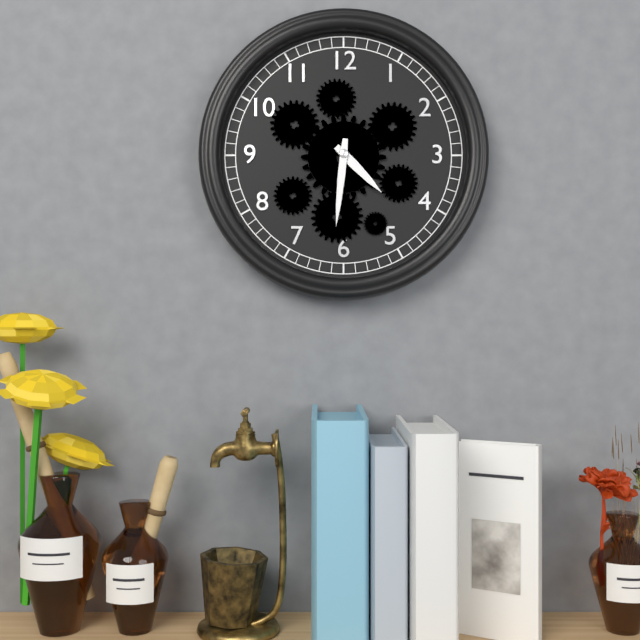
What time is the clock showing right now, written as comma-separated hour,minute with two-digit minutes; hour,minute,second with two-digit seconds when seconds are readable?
4,31
